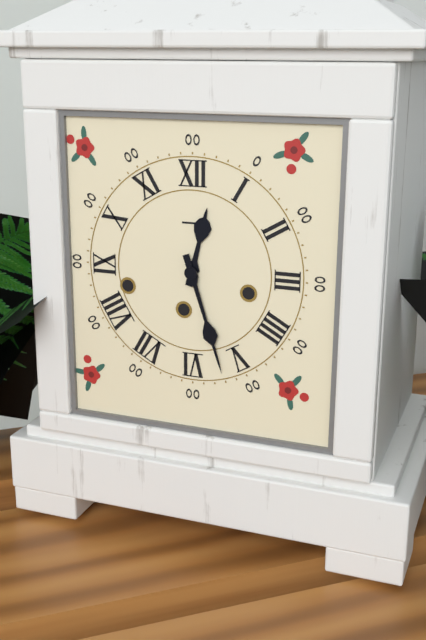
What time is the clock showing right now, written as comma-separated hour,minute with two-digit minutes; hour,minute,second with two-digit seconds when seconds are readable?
12,27
